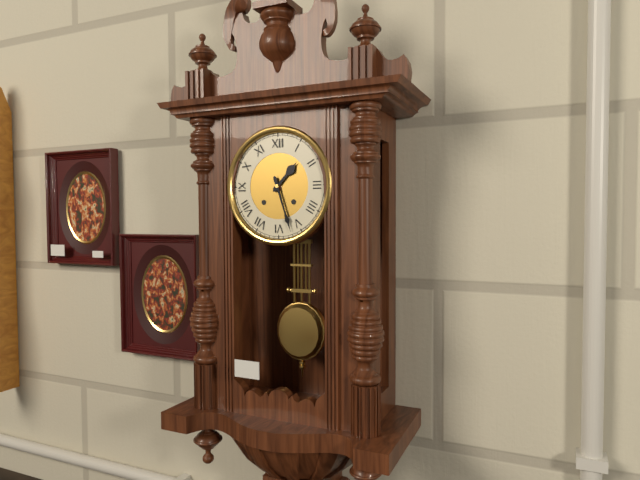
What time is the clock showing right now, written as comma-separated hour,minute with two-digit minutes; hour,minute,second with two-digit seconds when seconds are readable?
1,27
